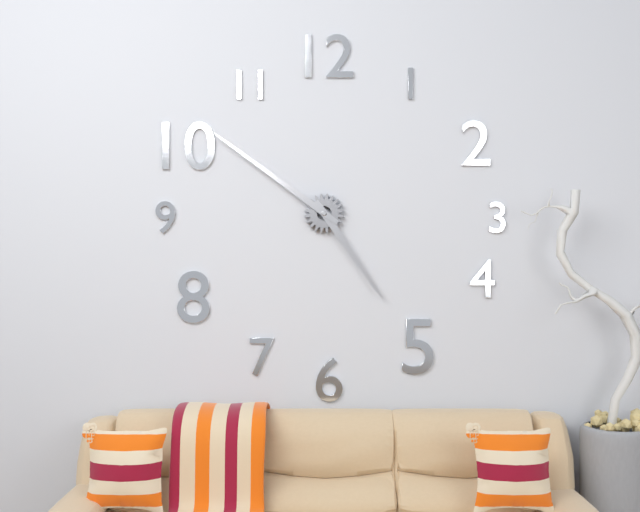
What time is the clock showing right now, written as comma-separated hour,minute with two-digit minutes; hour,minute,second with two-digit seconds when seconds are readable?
4,51
